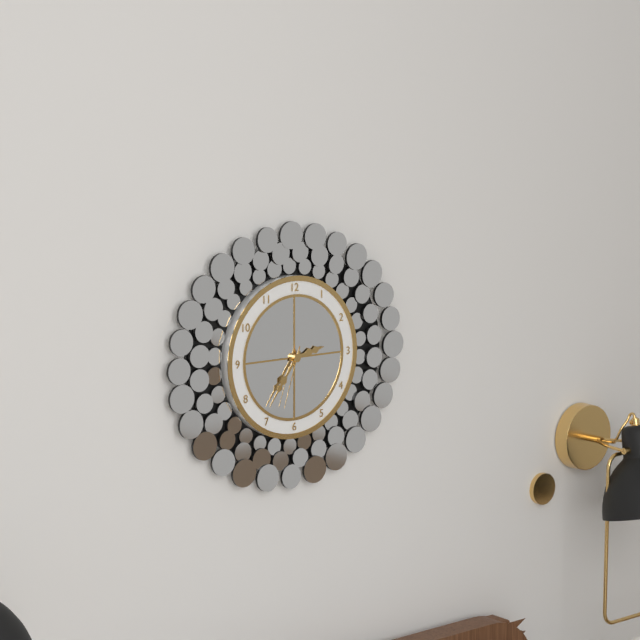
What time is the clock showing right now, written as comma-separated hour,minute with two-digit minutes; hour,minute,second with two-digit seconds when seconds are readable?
2,36,33
